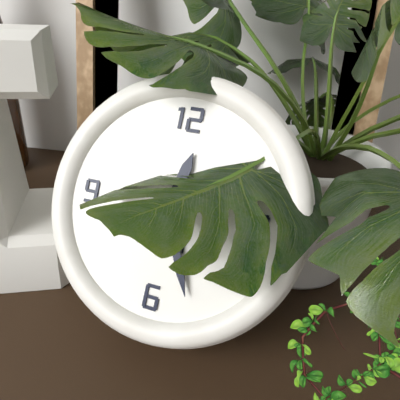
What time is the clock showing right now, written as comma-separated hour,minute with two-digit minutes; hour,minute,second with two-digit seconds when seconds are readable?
12,26
